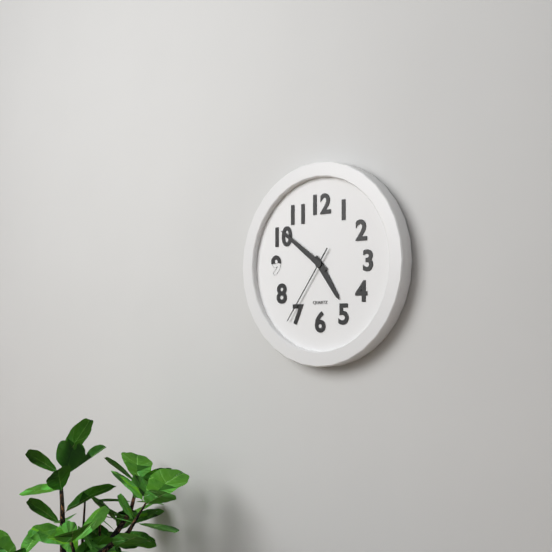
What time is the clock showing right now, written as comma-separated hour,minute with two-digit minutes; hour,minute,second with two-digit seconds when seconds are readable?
4,51,36
